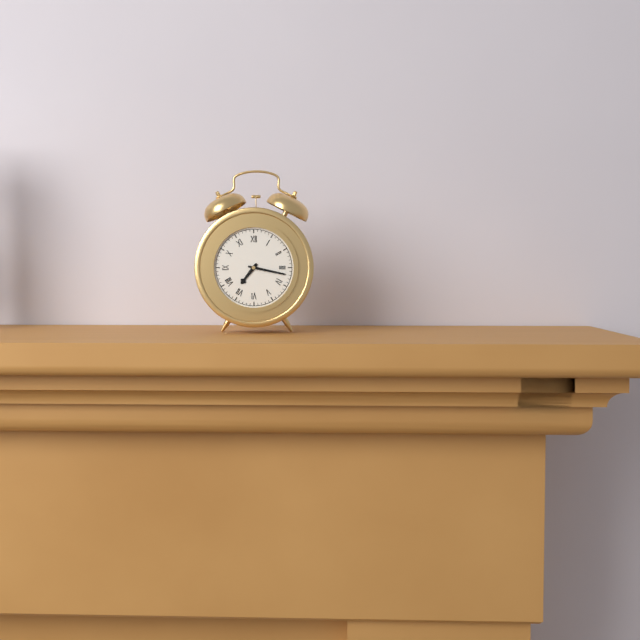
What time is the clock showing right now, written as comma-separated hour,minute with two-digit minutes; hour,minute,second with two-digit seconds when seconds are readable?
7,17
